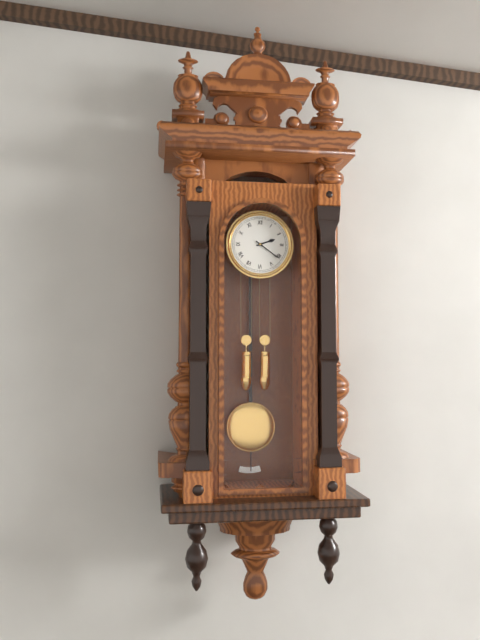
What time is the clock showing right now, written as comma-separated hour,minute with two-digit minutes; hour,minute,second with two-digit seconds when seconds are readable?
2,21
